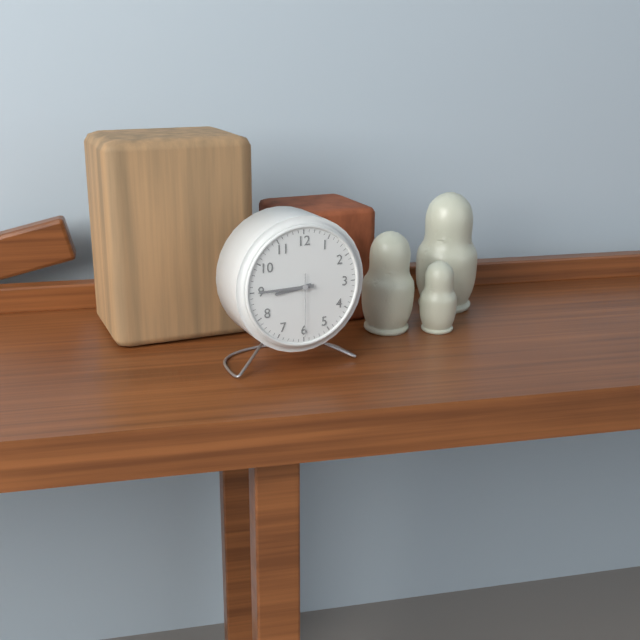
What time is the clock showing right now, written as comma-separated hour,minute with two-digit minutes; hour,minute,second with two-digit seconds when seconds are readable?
8,45,30
